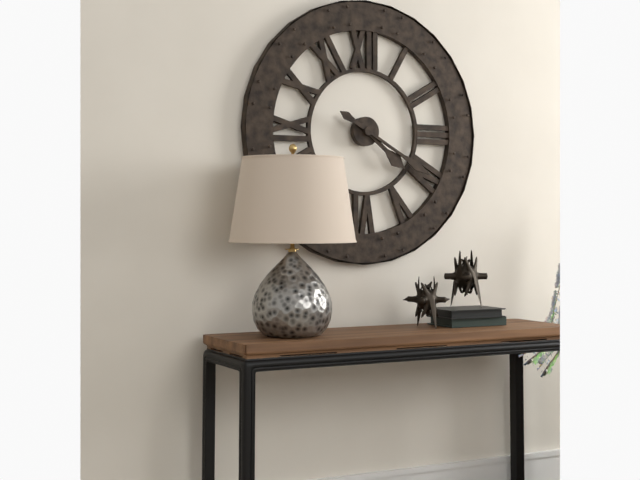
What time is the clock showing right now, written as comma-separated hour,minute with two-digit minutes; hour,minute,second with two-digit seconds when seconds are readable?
4,20
